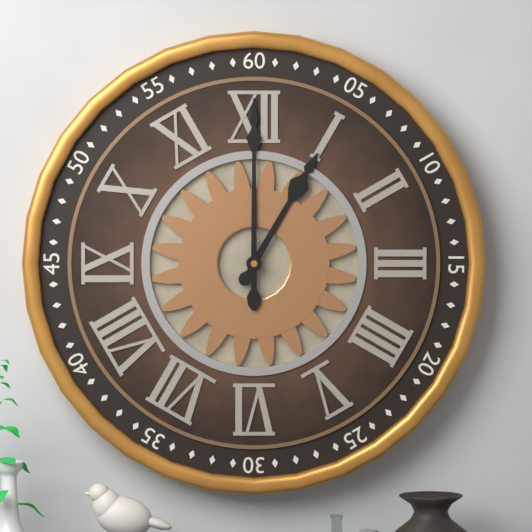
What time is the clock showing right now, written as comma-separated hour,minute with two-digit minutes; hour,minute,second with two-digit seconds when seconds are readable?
1,00
